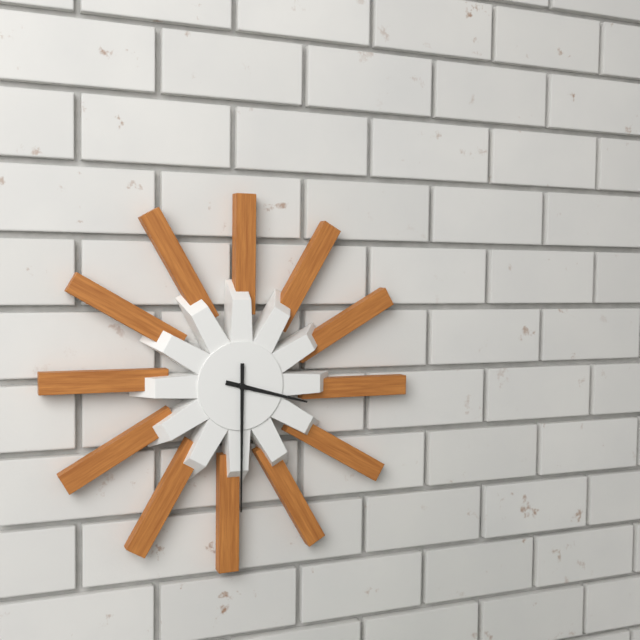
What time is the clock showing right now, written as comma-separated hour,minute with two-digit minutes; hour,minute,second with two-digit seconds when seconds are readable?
3,30
